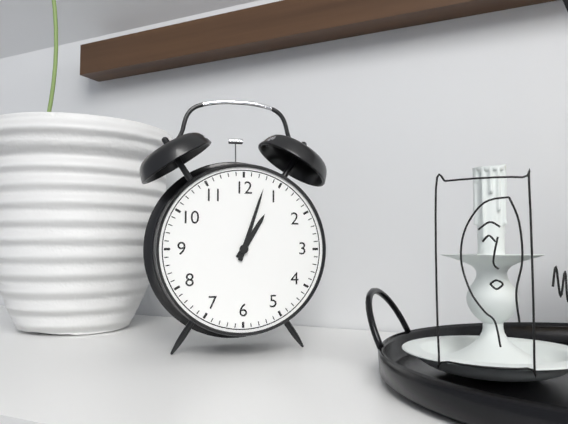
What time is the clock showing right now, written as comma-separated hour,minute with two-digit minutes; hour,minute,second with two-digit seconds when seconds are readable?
1,03
